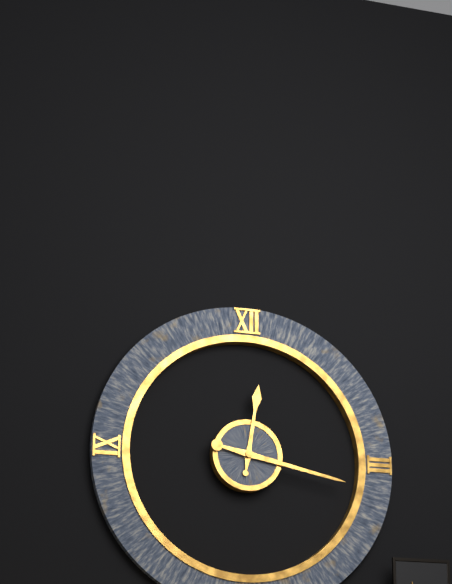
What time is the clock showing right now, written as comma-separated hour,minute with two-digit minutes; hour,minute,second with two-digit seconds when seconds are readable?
12,17
